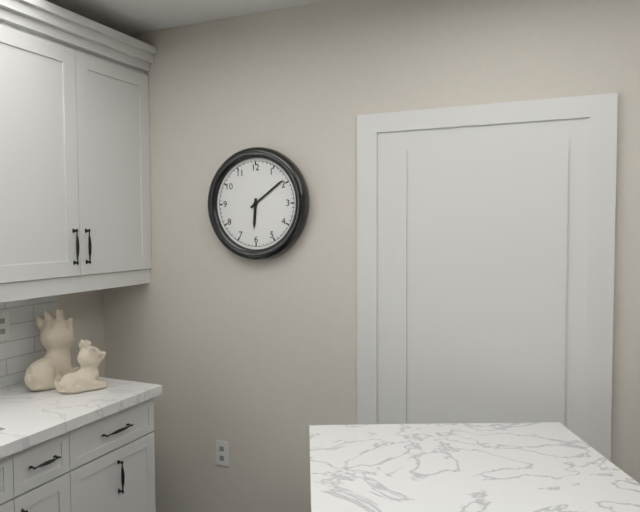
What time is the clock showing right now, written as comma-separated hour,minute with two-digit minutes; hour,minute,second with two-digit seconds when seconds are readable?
6,09
